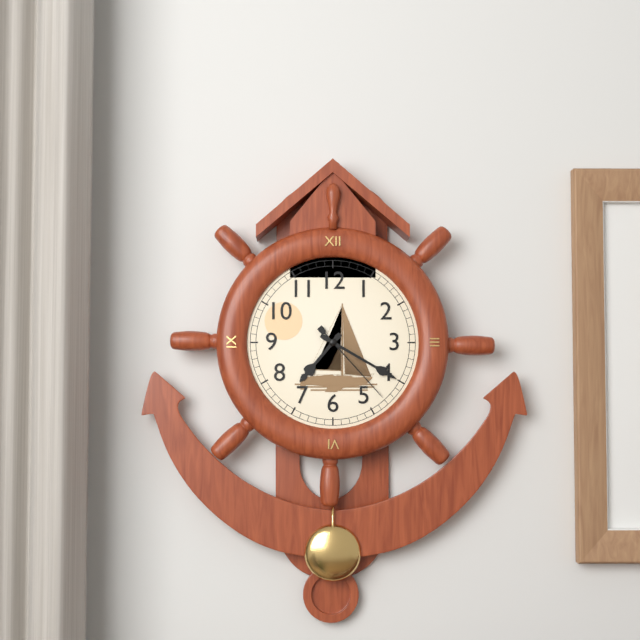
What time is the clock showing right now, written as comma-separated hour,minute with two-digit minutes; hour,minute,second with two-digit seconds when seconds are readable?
7,20,23
